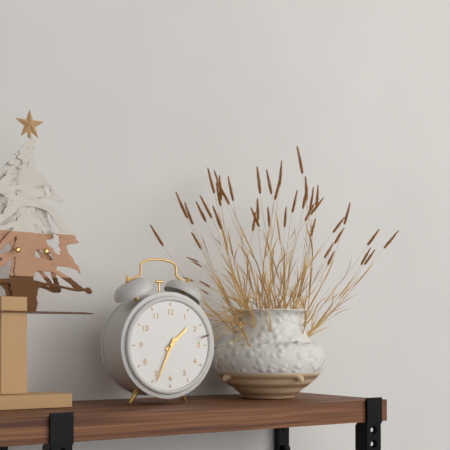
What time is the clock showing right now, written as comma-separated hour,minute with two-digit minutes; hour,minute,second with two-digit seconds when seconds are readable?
1,34
